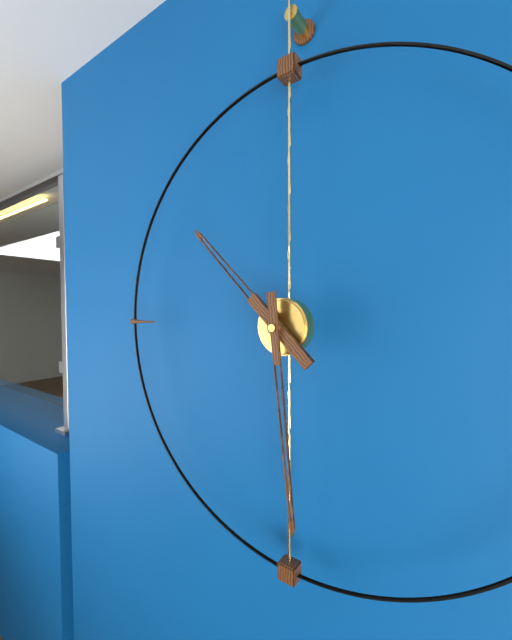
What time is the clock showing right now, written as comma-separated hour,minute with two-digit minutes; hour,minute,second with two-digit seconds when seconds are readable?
10,29
